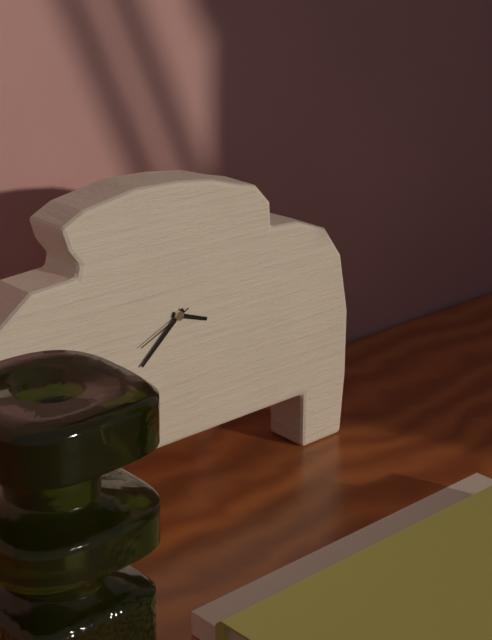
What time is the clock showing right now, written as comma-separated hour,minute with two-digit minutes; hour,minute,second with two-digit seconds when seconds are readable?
3,38,41
